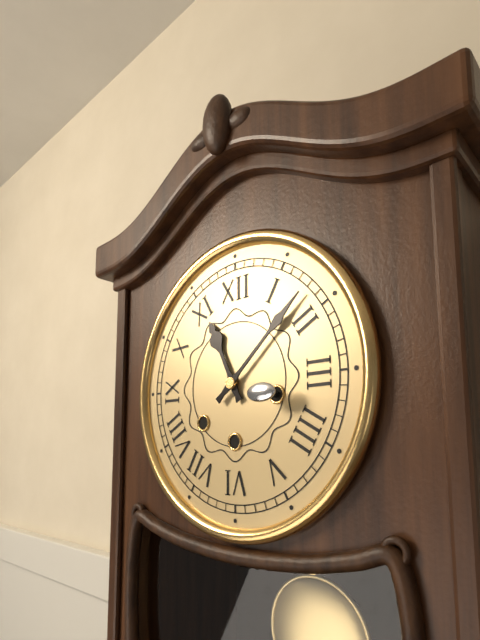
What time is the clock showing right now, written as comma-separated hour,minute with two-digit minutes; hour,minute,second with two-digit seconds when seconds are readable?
11,08
